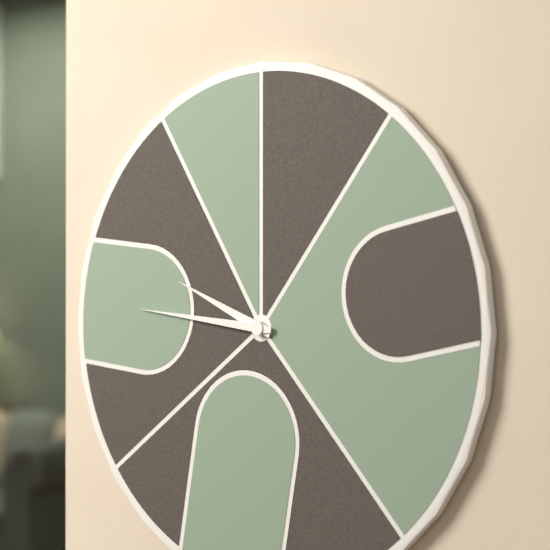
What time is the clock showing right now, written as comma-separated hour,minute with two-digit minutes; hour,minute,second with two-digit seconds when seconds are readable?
9,46
